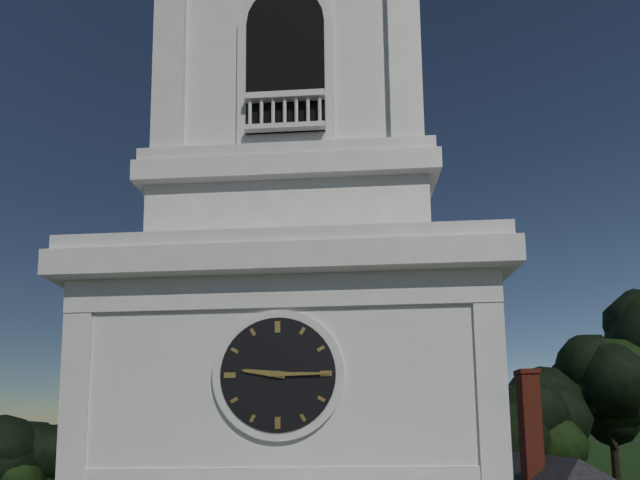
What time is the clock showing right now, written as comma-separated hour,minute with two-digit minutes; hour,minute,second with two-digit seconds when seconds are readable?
9,15
